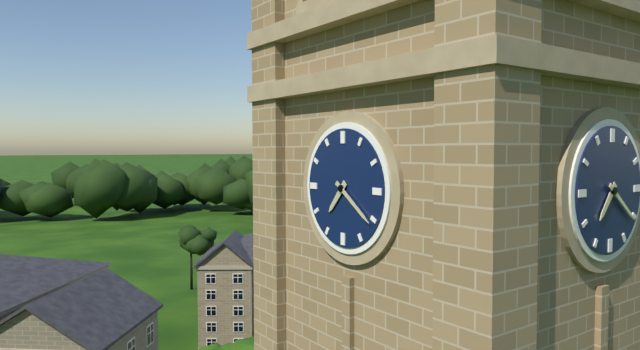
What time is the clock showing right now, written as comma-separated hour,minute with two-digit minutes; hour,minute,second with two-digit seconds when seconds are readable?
7,21
